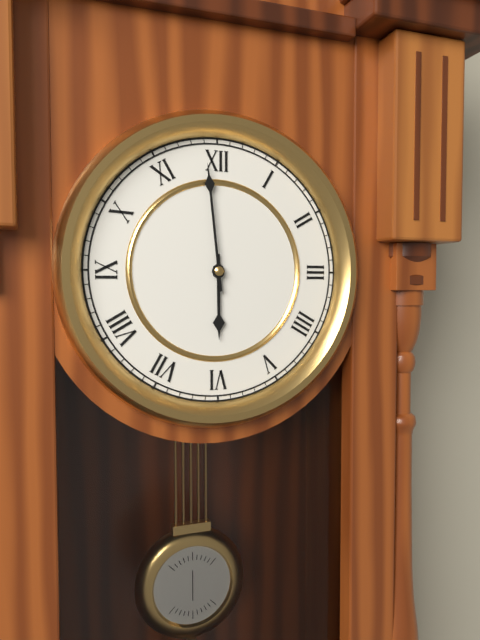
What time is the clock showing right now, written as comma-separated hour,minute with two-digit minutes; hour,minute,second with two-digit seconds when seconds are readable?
5,59
